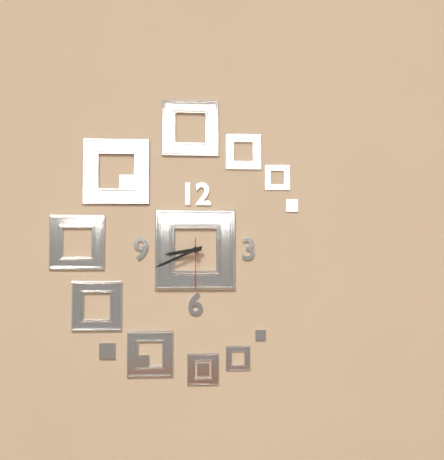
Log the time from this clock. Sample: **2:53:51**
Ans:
**8:41:30**
